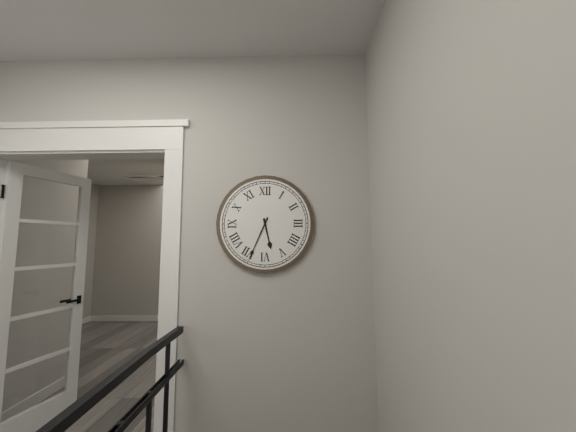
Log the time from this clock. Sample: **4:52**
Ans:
**5:34**
